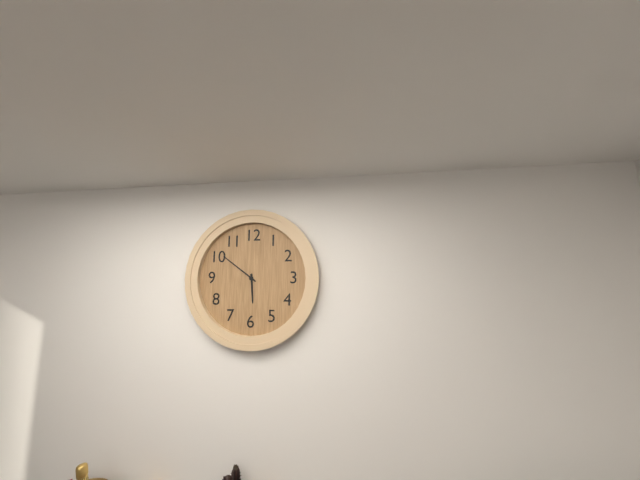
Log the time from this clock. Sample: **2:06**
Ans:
**5:51**
